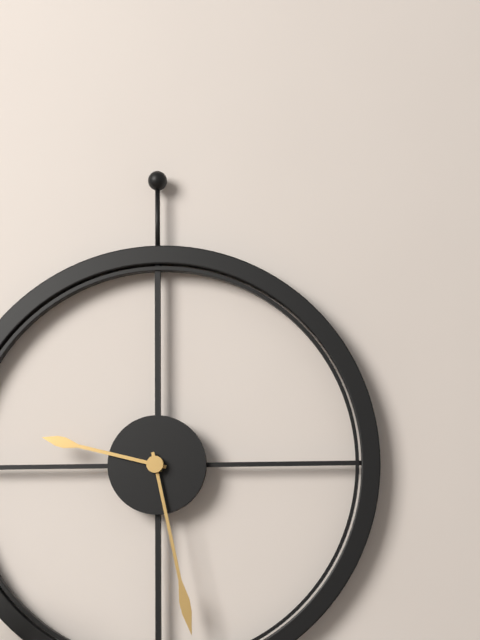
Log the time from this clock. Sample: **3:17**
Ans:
**9:28**
